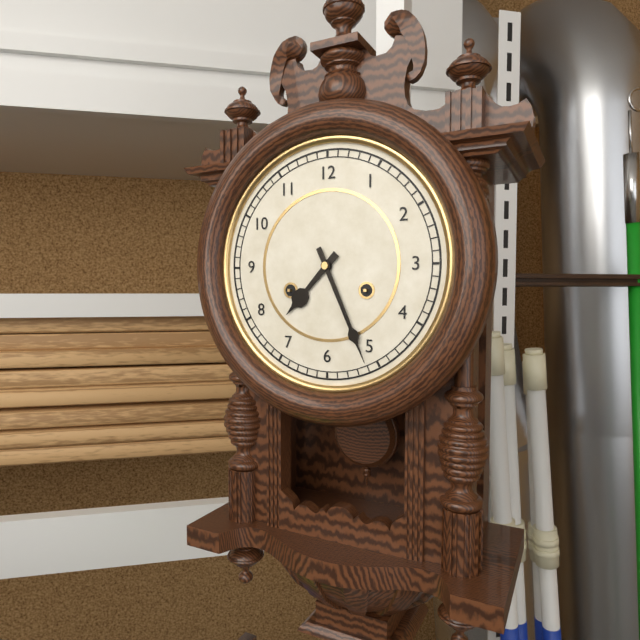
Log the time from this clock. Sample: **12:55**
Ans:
**7:26**
